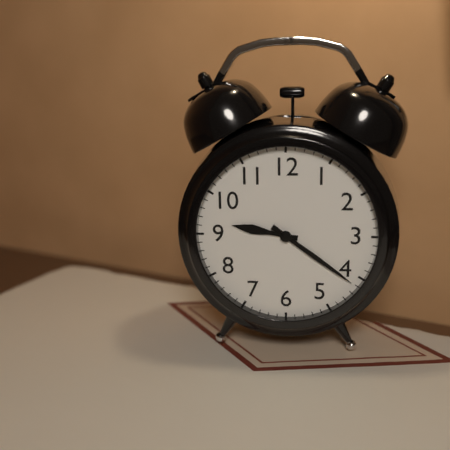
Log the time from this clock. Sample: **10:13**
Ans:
**9:21**
